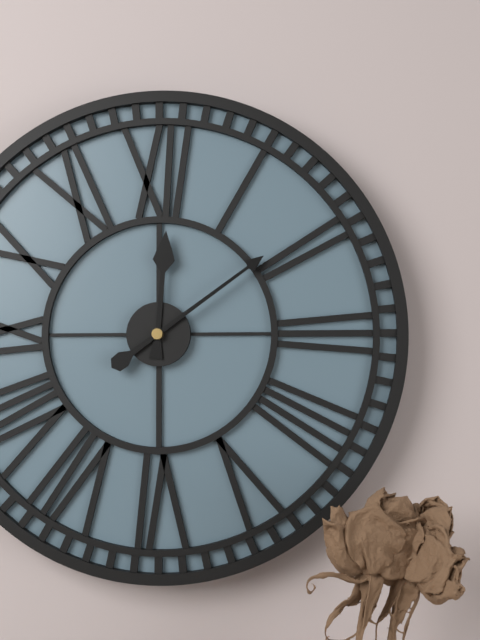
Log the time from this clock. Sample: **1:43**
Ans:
**12:09**
